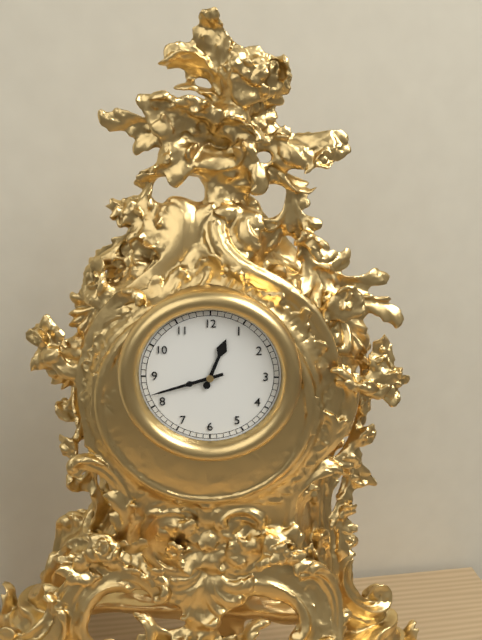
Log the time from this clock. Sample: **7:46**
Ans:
**12:42**
